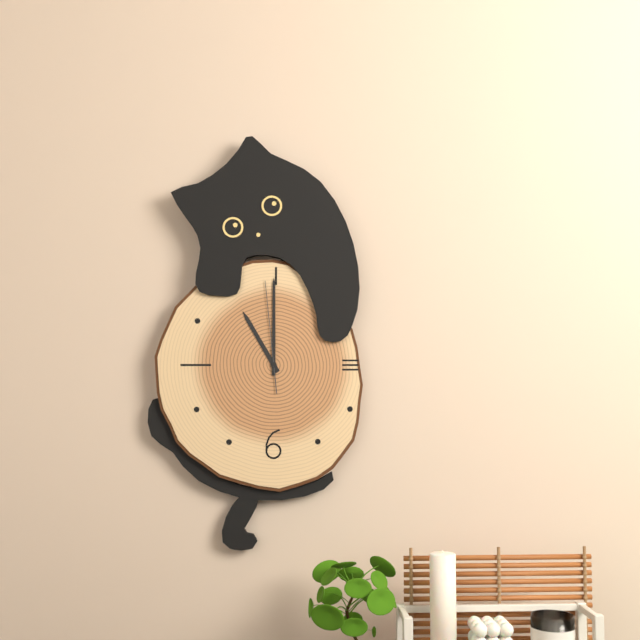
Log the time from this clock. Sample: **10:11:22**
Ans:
**11:00:59**
